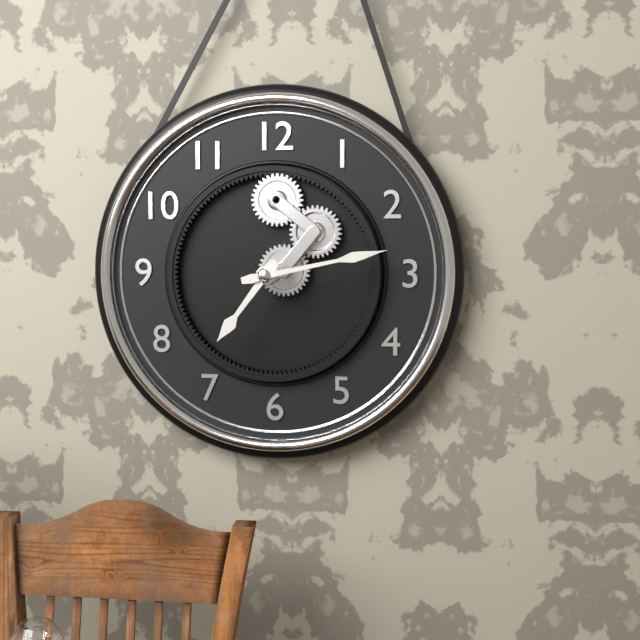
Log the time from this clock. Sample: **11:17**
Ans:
**7:13**
